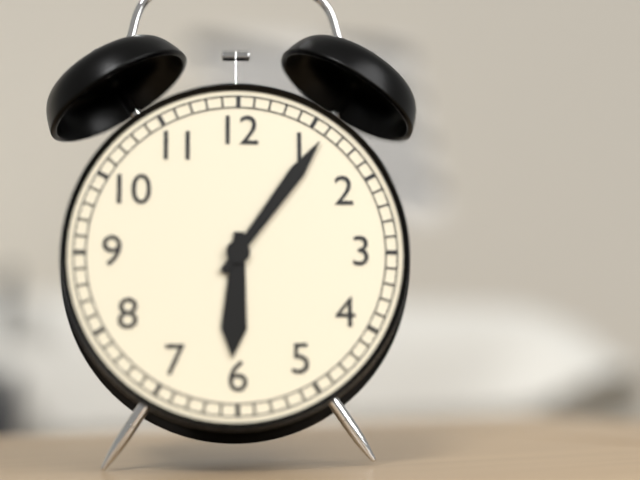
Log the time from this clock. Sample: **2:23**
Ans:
**6:06**
